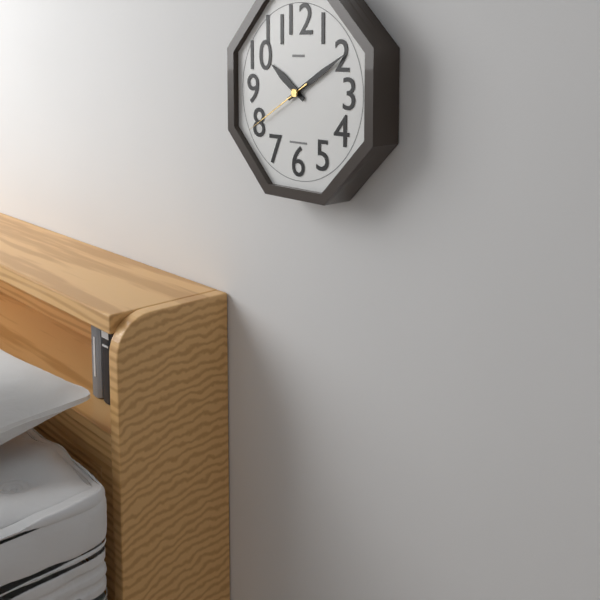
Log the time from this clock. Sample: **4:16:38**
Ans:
**10:10:40**
